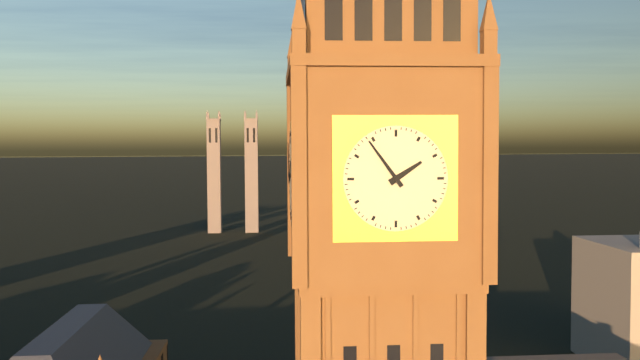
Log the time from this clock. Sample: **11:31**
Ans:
**1:54**
